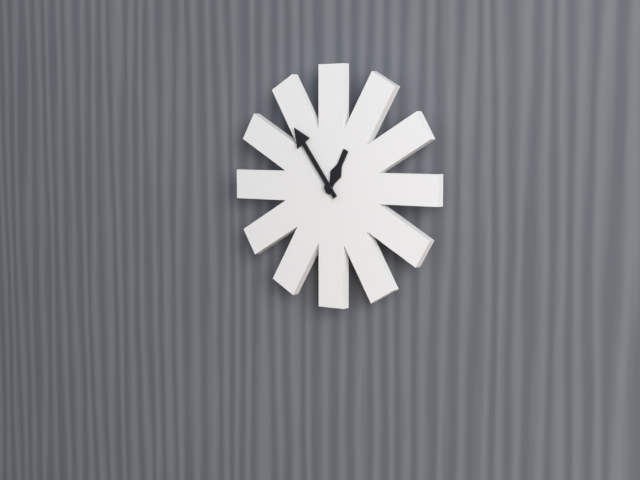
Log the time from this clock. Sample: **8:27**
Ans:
**12:54**
